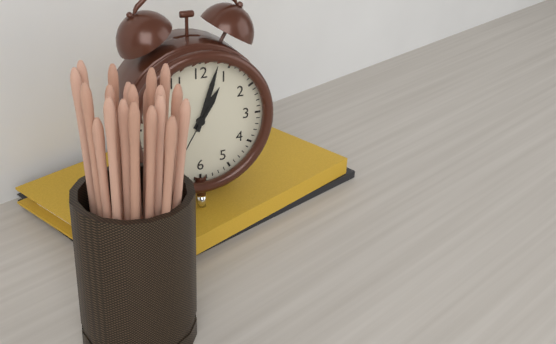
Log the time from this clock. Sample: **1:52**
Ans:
**1:03**
